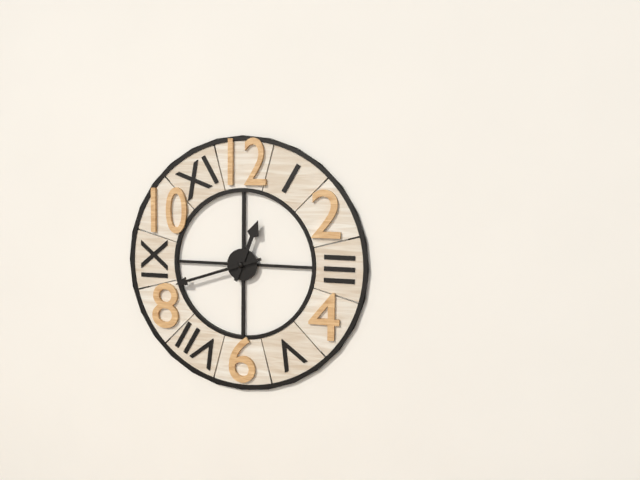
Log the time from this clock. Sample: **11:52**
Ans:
**12:42**
